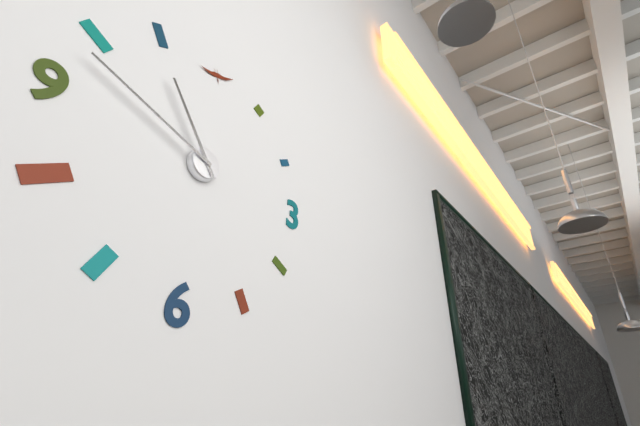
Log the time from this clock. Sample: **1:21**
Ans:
**10:48**
